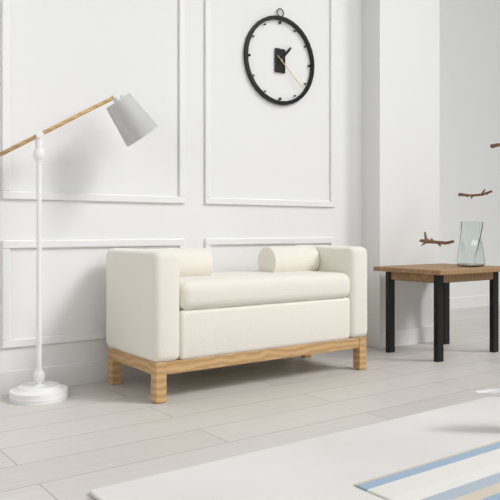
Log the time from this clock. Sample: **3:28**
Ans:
**1:22**
